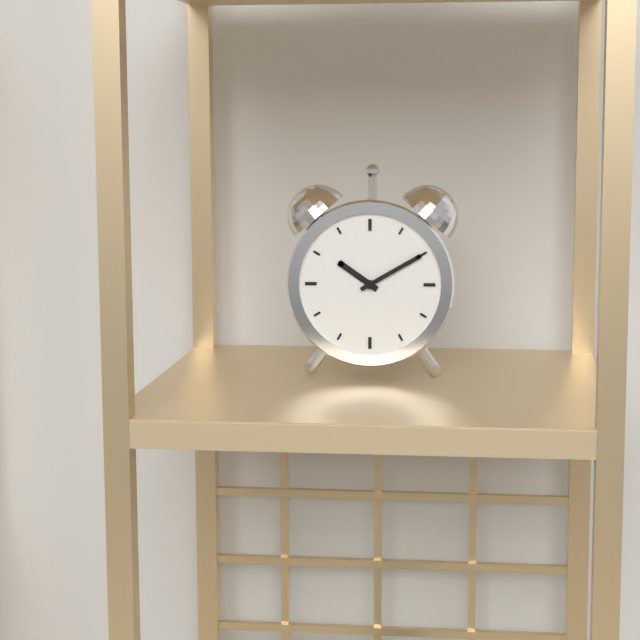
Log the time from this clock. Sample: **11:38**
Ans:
**10:10**
